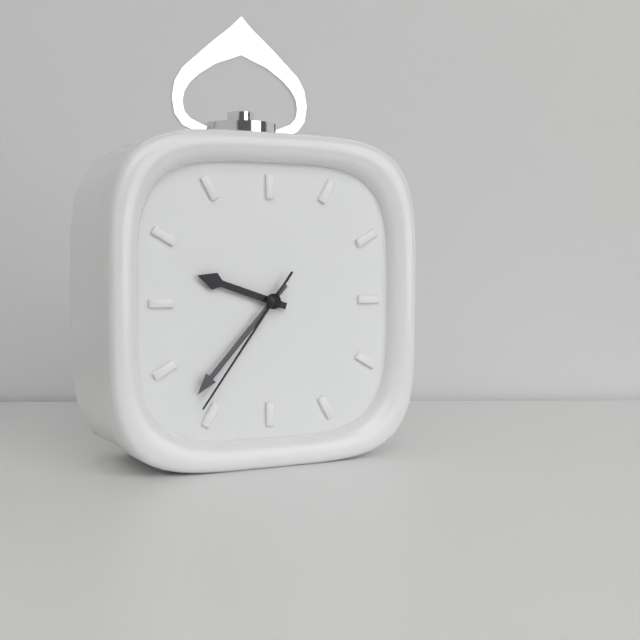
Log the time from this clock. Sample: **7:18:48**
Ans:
**9:37:36**
